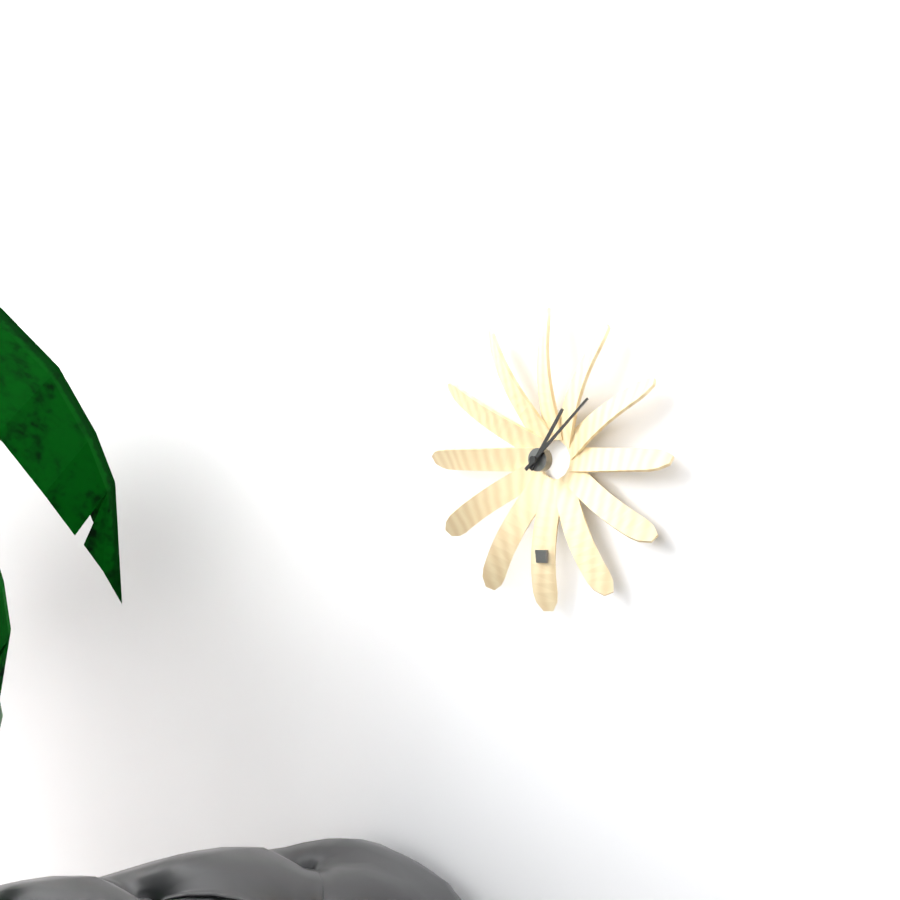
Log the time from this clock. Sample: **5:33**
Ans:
**1:08**
